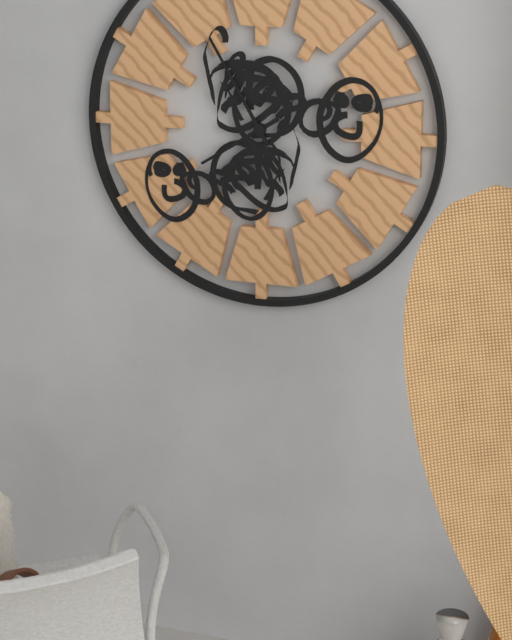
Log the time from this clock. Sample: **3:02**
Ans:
**7:55**
